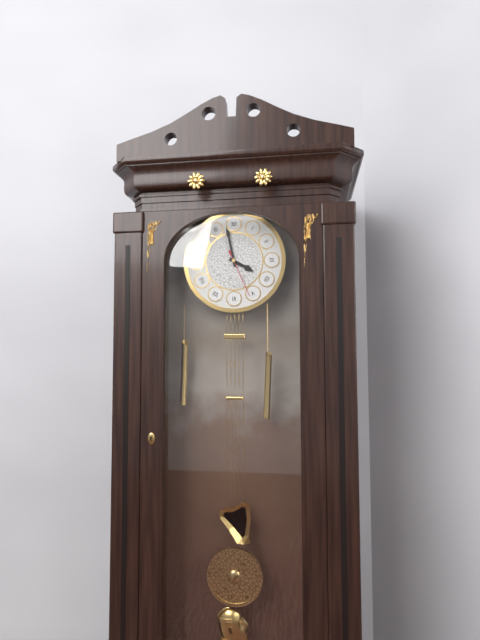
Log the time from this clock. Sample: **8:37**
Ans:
**3:58**
